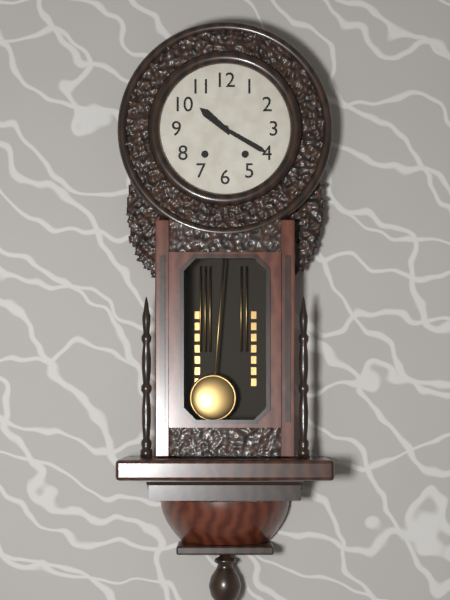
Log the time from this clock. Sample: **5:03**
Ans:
**10:20**
